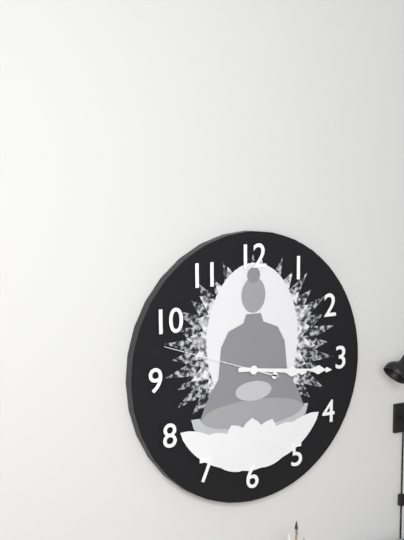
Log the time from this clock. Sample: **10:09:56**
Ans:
**3:16:48**
